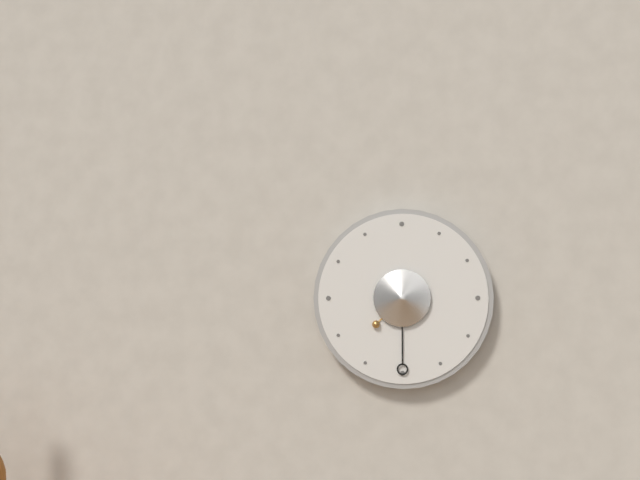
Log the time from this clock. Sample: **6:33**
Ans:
**7:30**
